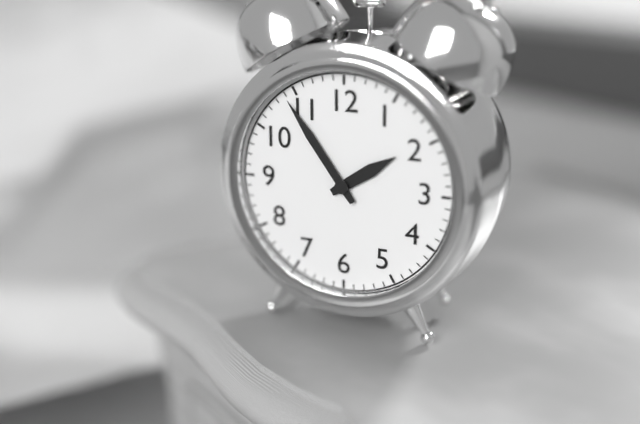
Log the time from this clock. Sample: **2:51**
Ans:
**1:54**
